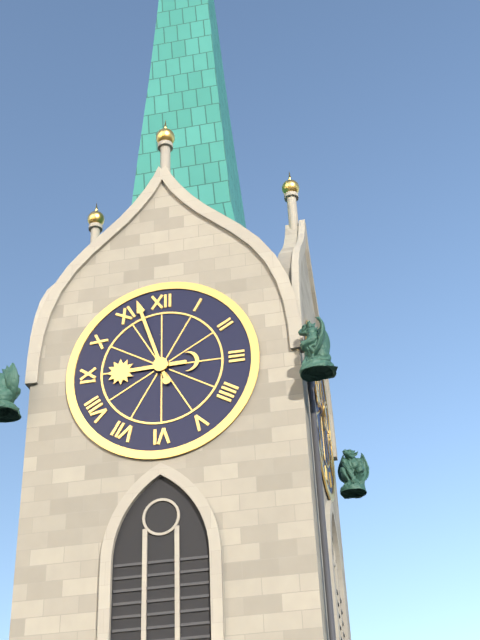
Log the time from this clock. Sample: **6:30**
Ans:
**8:57**
